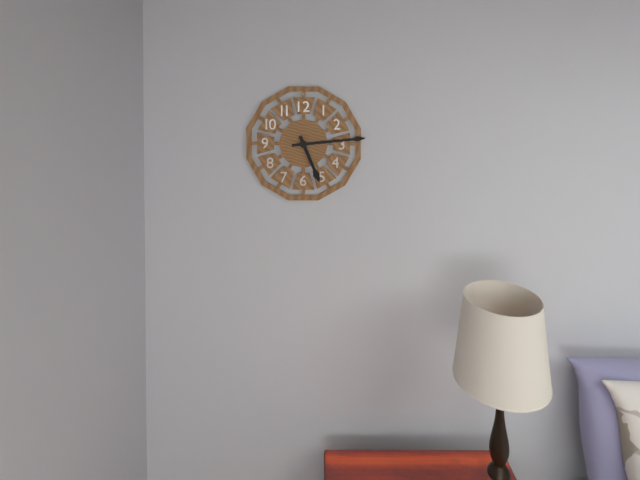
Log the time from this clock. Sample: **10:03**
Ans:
**5:14**
